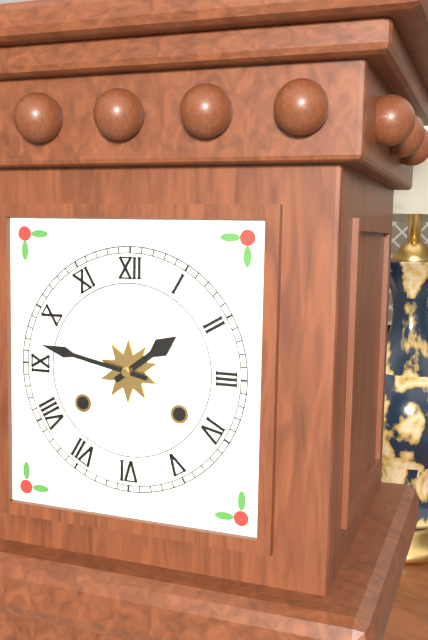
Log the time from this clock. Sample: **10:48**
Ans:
**1:47**
